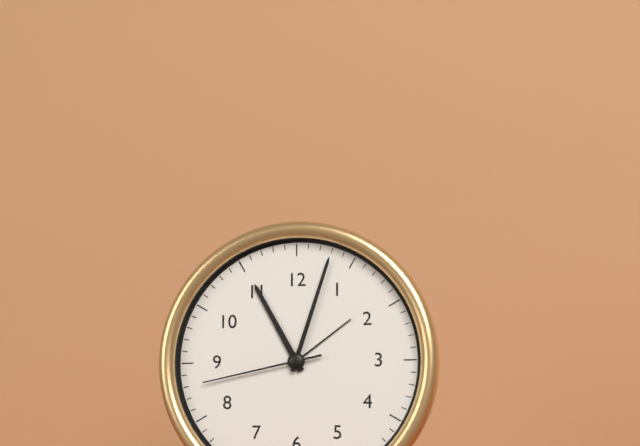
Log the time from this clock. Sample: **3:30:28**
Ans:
**11:03:43**
